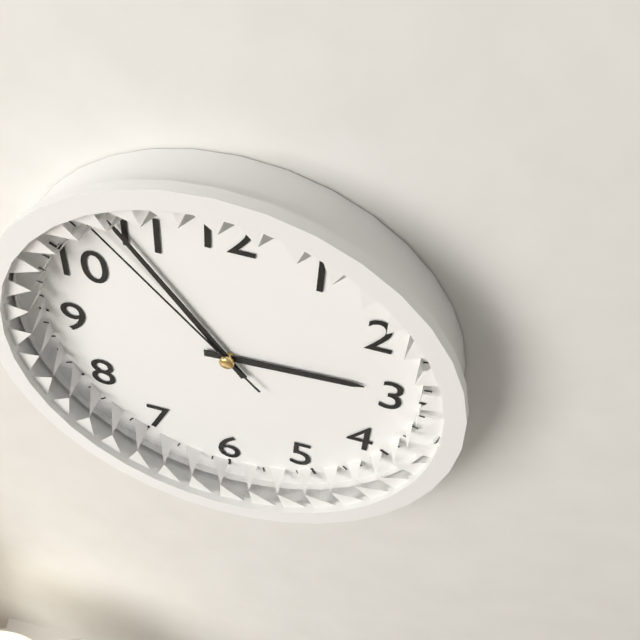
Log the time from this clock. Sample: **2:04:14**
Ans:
**2:54:53**
